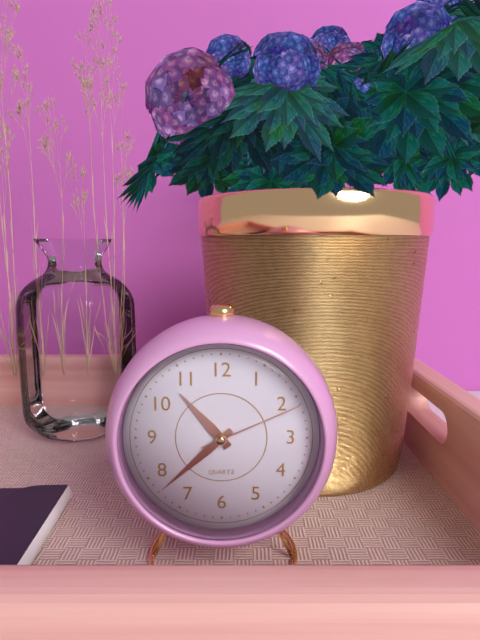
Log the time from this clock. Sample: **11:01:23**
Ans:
**10:38:11**
